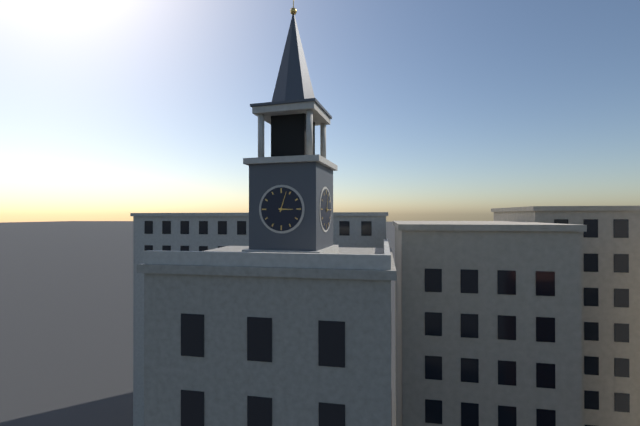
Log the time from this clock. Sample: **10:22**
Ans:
**3:03**
